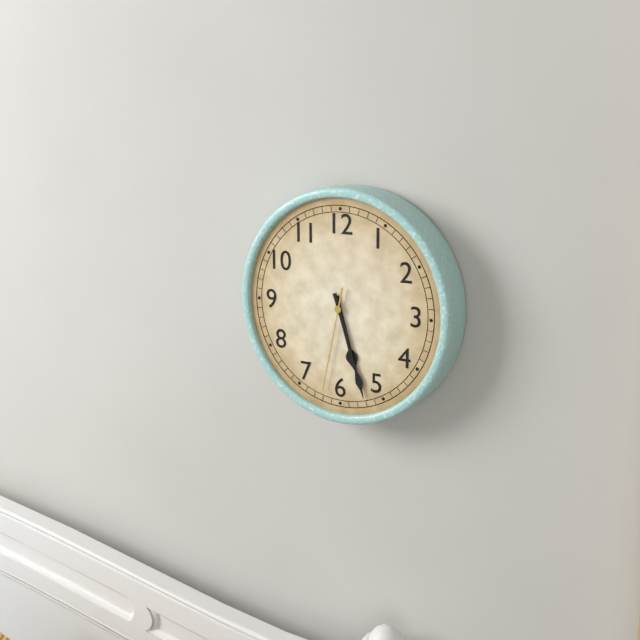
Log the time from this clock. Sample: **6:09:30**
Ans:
**5:27:32**
